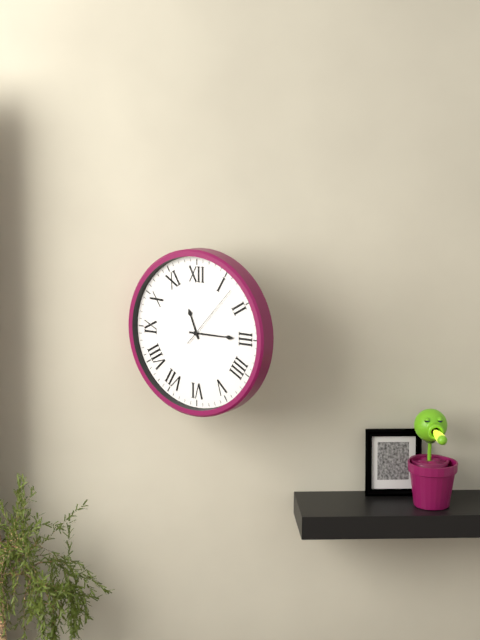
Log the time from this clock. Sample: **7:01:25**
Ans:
**11:15:07**
